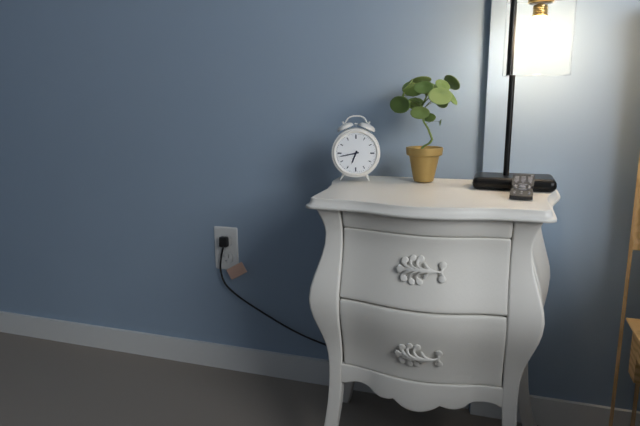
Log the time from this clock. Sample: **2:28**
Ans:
**6:43**
